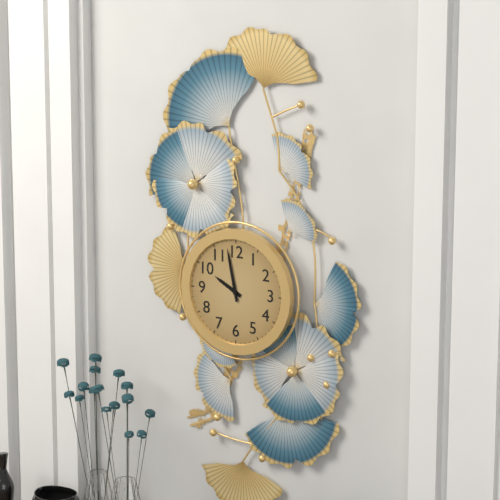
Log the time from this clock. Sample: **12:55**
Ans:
**9:58**
